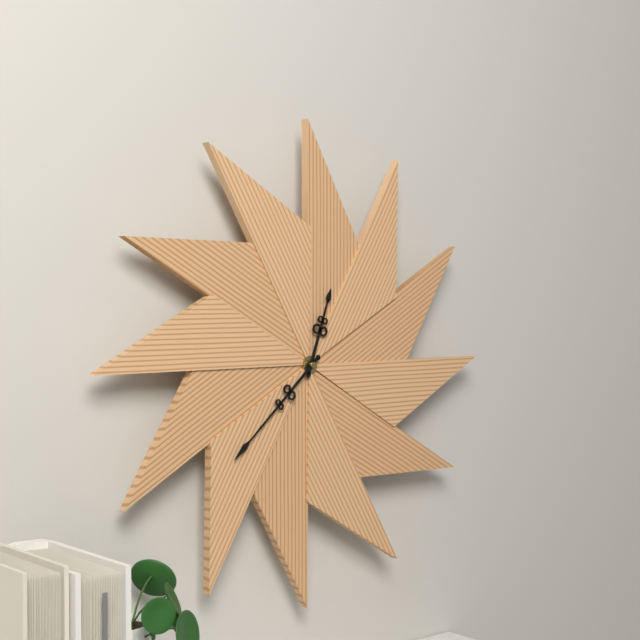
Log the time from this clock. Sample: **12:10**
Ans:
**12:38**
